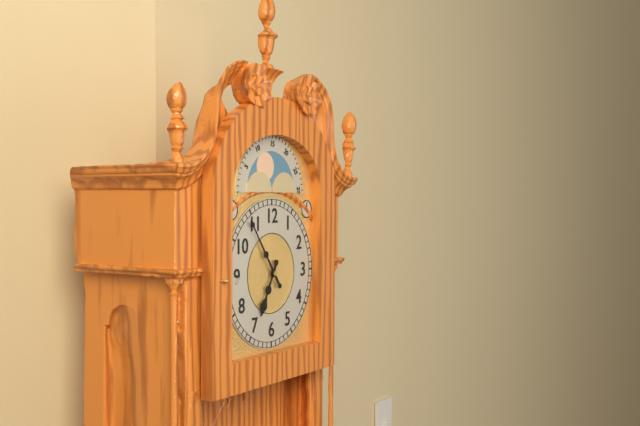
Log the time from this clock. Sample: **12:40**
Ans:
**6:54**
